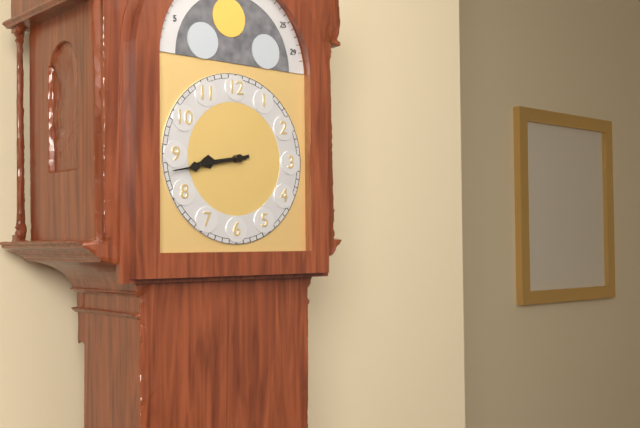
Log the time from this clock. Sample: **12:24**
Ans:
**8:43**
